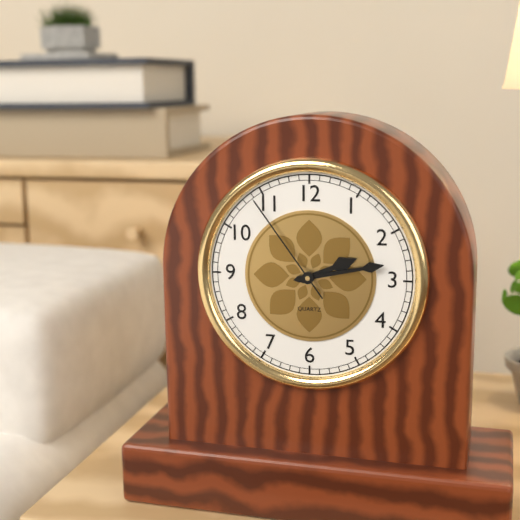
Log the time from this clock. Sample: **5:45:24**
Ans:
**2:13:54**
